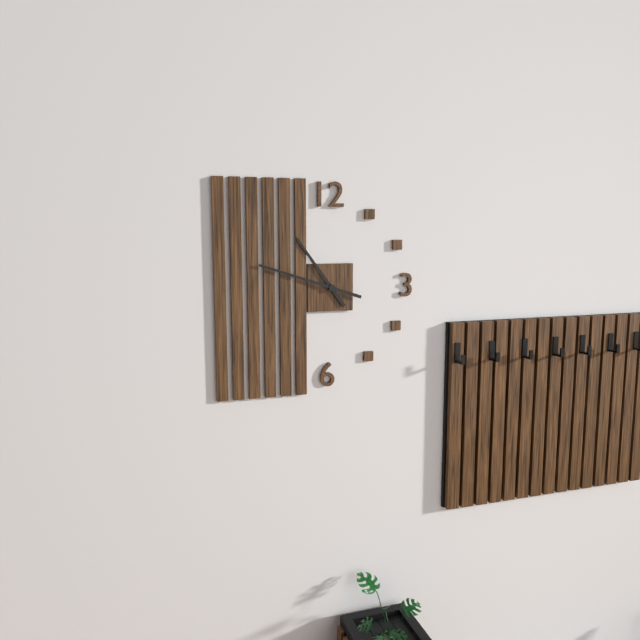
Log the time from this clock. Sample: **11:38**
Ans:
**10:48**
